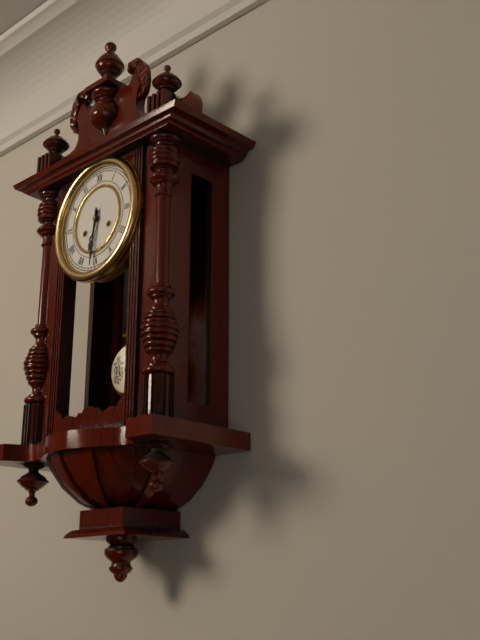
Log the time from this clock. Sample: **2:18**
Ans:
**6:31**
